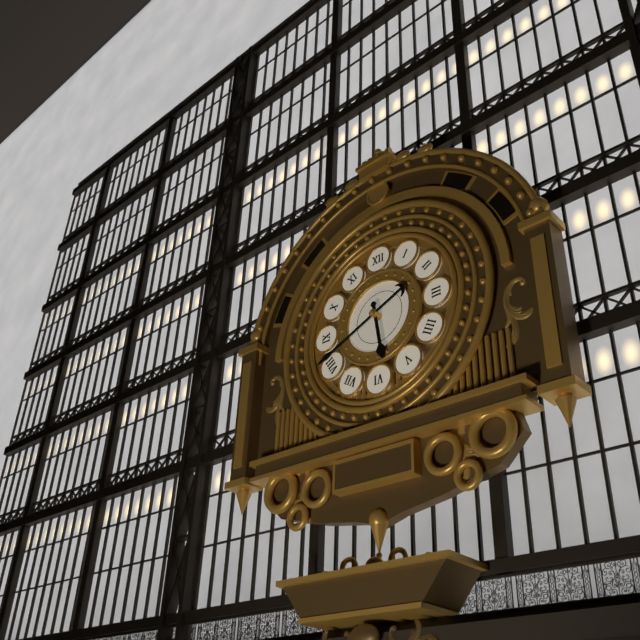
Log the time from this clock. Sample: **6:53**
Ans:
**5:41**
